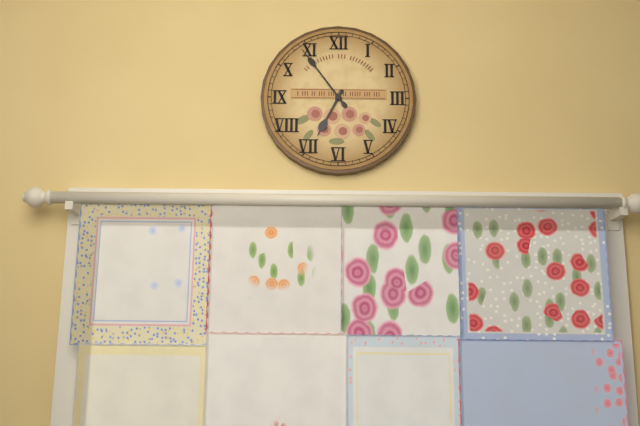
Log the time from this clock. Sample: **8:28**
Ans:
**6:54**
